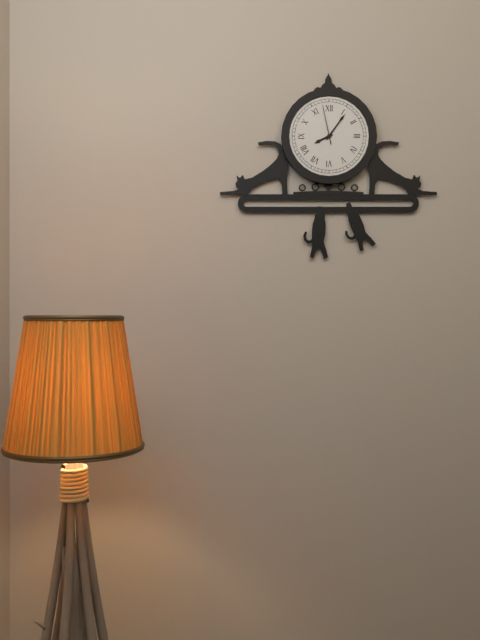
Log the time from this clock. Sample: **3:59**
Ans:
**8:06**
